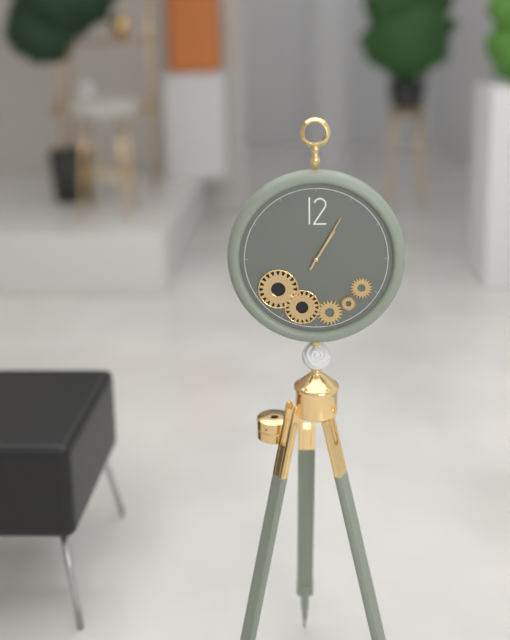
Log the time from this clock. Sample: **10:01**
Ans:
**1:05**
